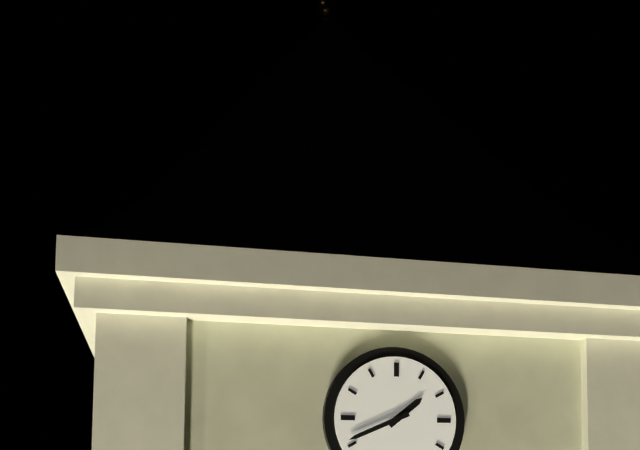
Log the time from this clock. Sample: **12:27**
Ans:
**1:41**
